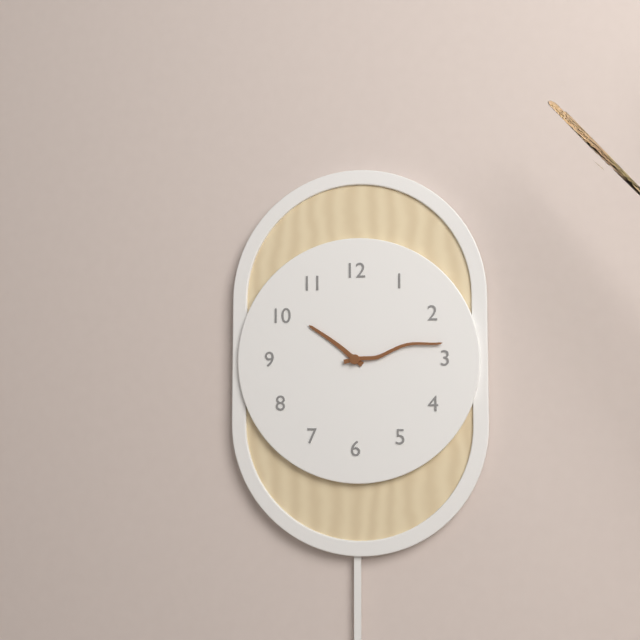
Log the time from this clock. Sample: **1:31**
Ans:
**10:13**
